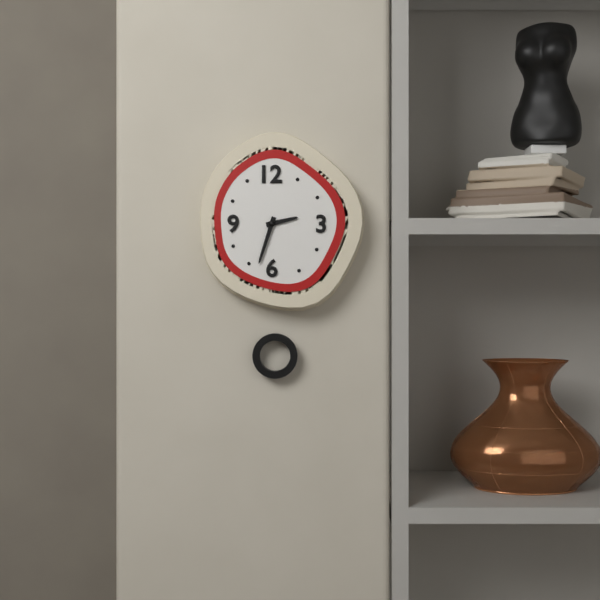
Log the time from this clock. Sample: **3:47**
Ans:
**2:33**
